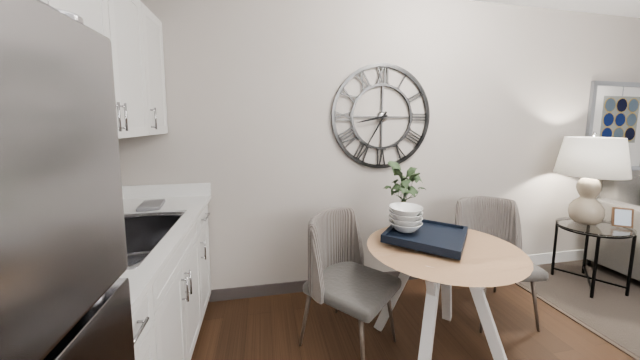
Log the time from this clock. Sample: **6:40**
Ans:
**8:35**
